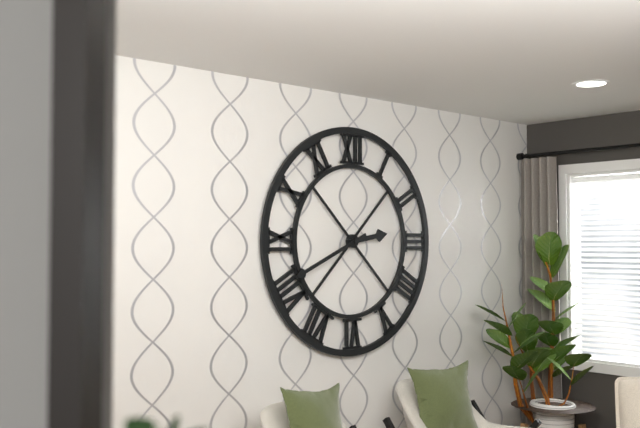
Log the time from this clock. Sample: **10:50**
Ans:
**2:41**
